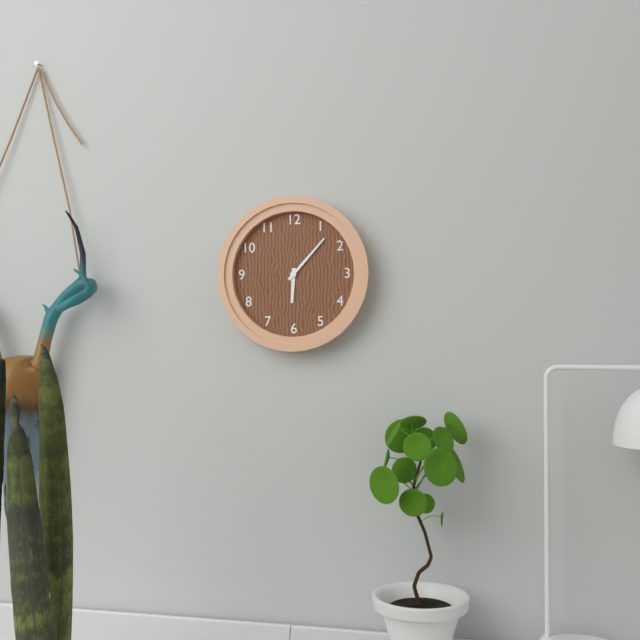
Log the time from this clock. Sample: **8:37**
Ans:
**6:07**
